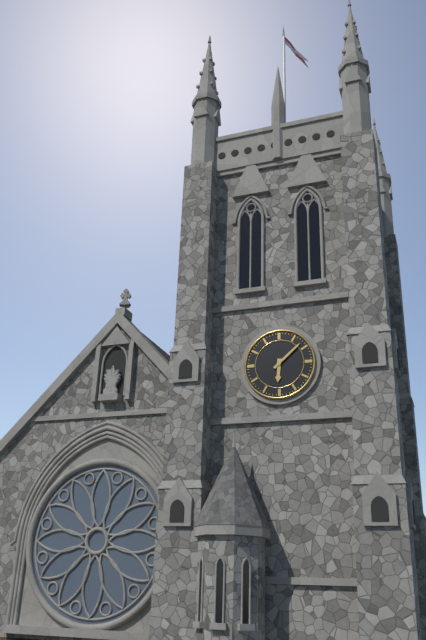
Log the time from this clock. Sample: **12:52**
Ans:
**6:08**
